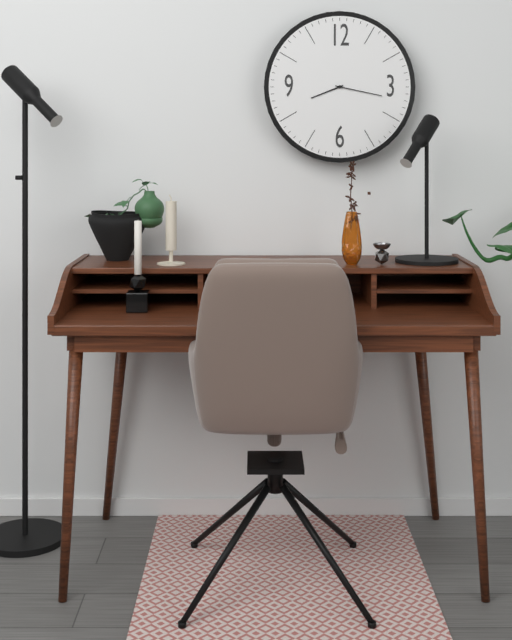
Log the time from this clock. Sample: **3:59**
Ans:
**8:17**
